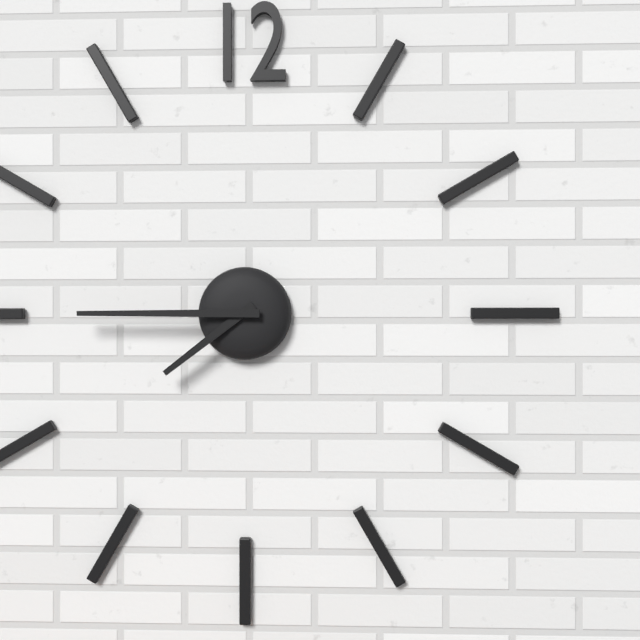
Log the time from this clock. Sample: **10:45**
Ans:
**7:45**
